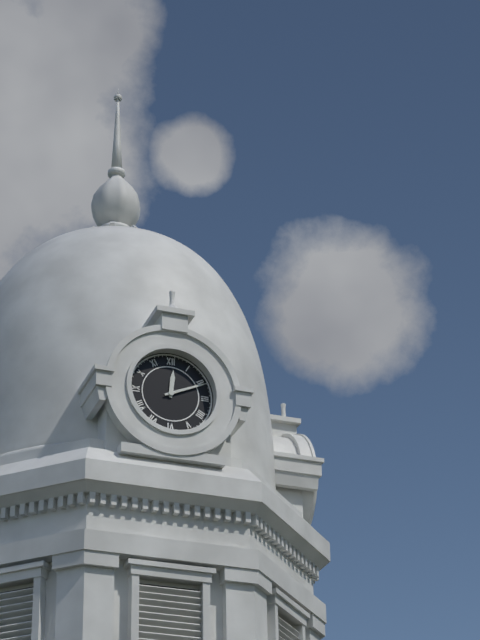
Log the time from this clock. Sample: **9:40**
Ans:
**12:11**
